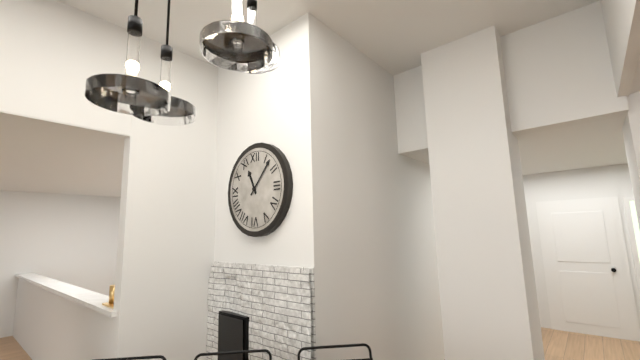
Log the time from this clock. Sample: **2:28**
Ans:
**11:07**
